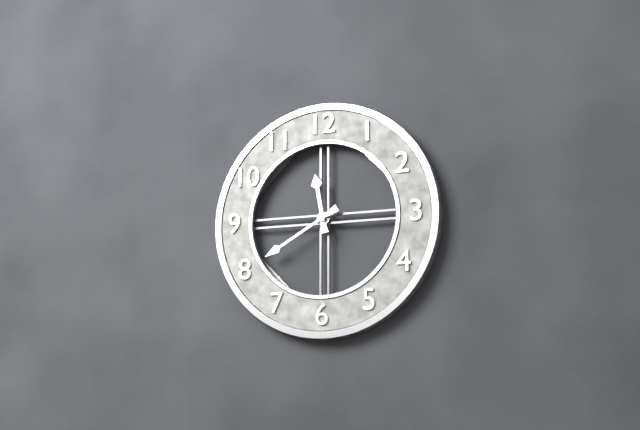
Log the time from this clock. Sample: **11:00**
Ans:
**11:40**
